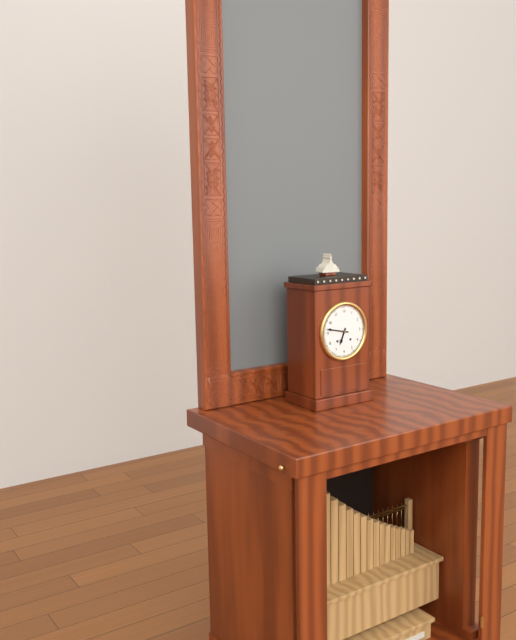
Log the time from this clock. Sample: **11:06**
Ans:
**6:47**
